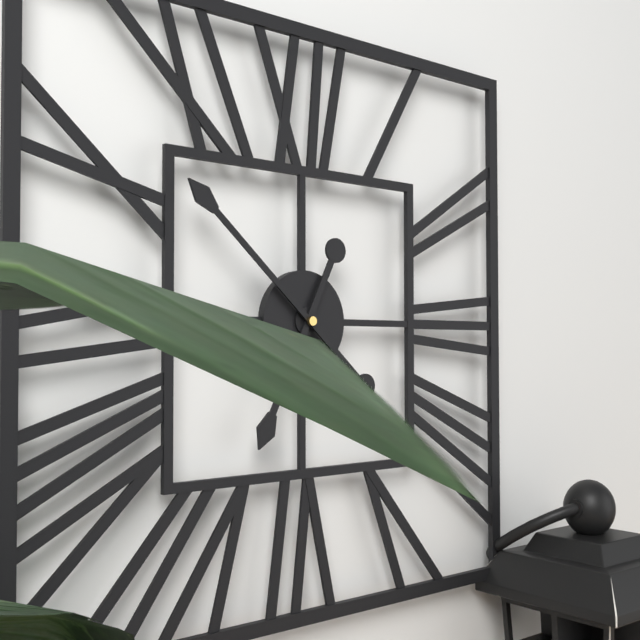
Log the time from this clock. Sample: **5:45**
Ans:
**6:52**
